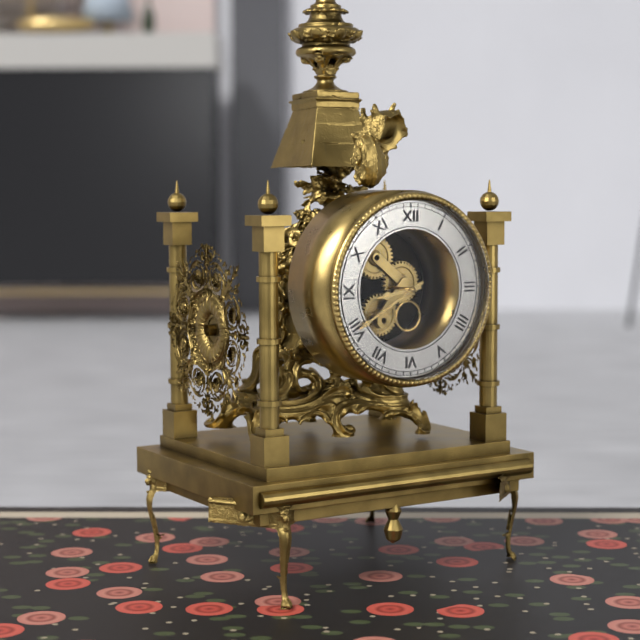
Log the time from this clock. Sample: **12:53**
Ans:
**8:40**
